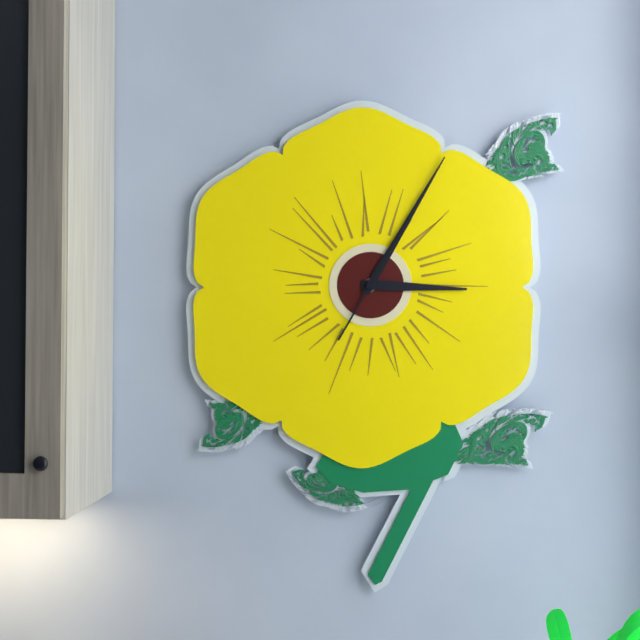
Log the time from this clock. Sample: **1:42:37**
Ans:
**3:05:05**
